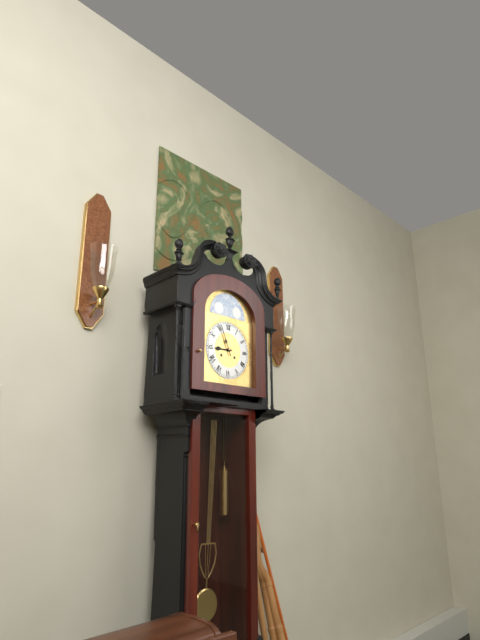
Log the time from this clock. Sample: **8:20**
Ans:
**8:56**
